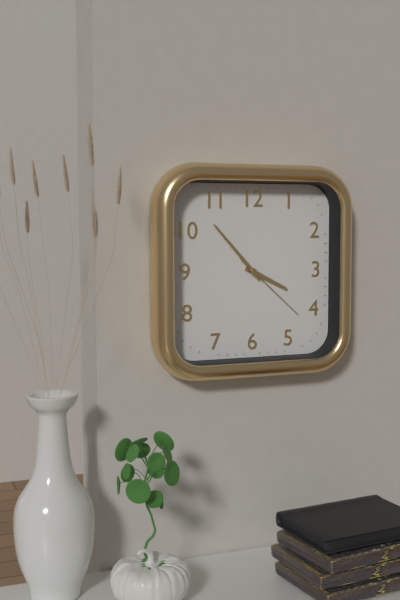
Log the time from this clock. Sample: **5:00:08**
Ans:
**3:53:22**
